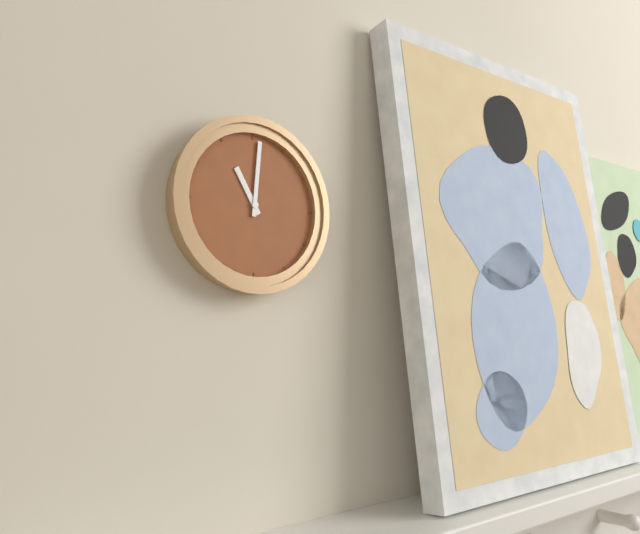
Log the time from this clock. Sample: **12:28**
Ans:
**11:01**
